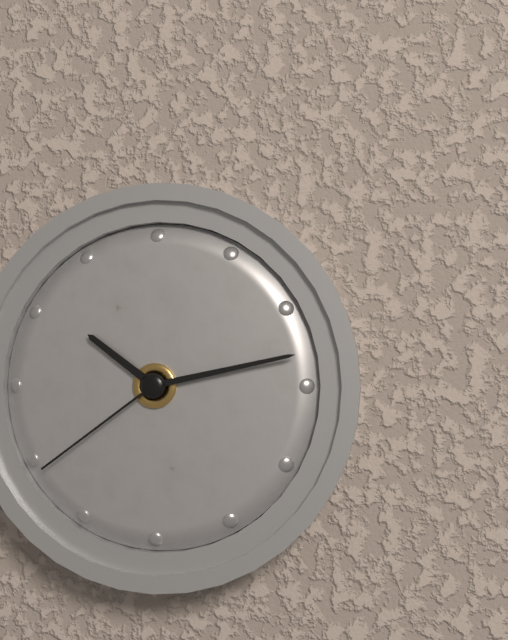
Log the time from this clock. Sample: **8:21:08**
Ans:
**10:13:39**
